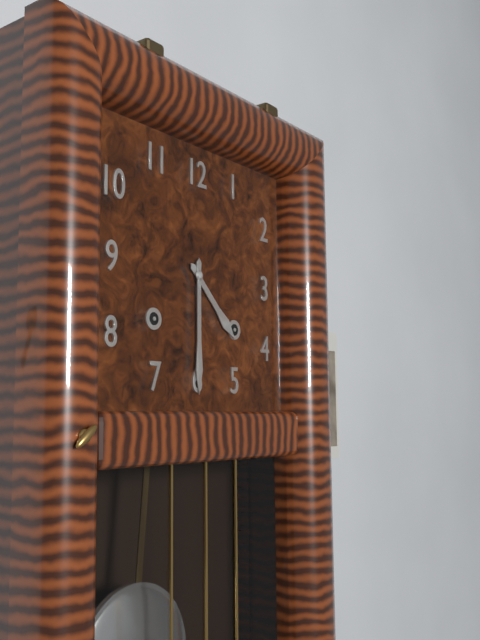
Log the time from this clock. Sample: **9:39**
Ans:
**4:30**
